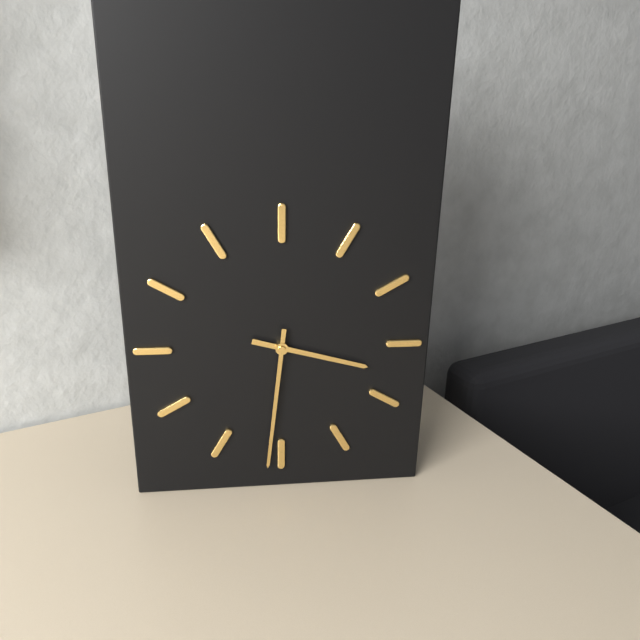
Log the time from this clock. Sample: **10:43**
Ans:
**3:31**
